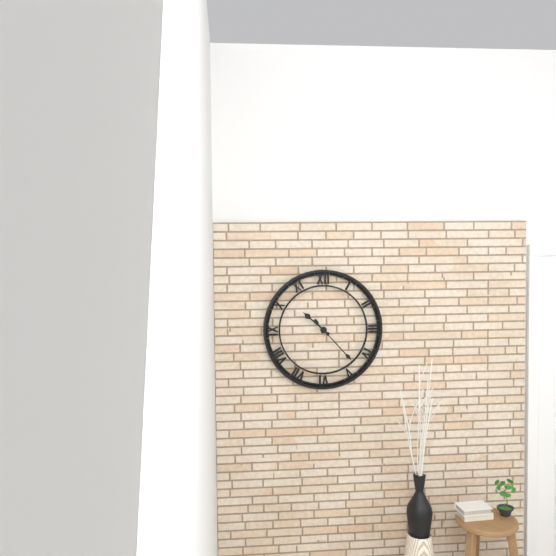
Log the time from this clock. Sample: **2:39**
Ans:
**10:23**
